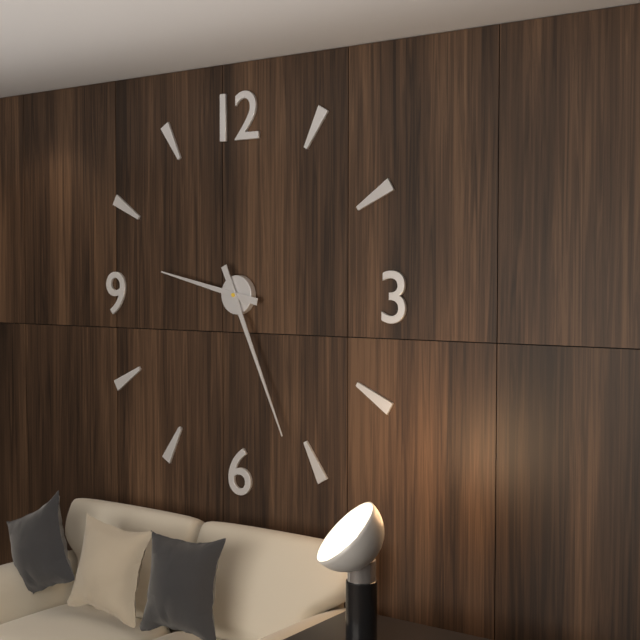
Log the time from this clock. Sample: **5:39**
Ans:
**9:26**
